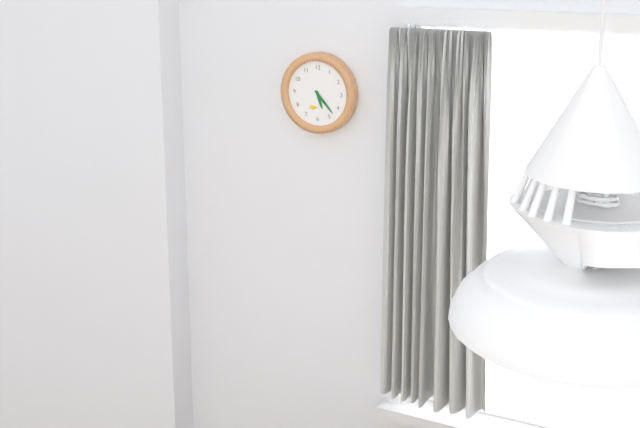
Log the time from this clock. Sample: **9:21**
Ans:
**5:23**
